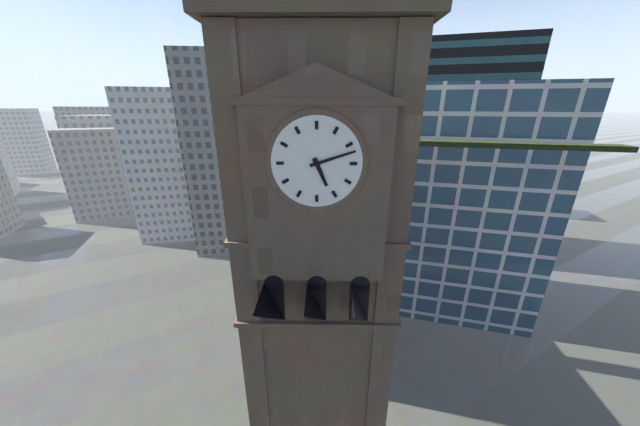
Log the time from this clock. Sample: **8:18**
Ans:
**5:12**
